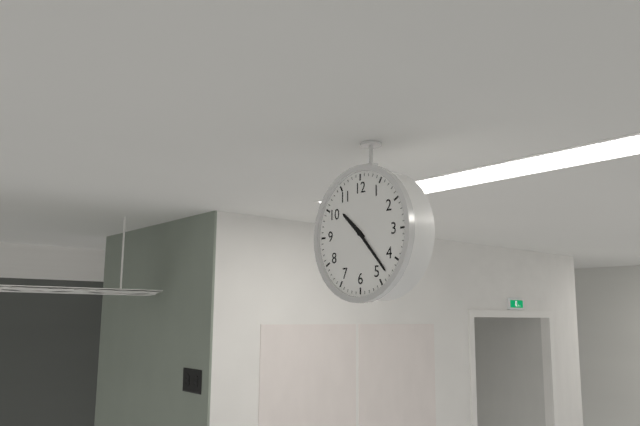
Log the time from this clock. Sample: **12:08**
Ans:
**10:23**
